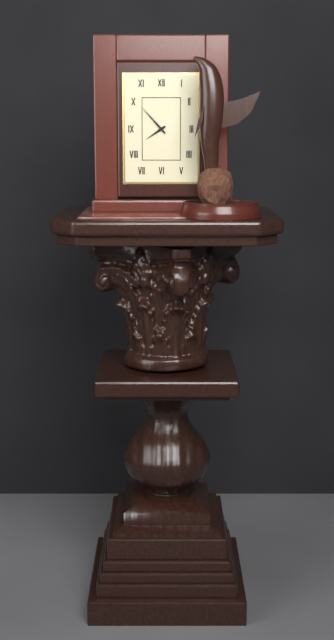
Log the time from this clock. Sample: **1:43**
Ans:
**7:53**
